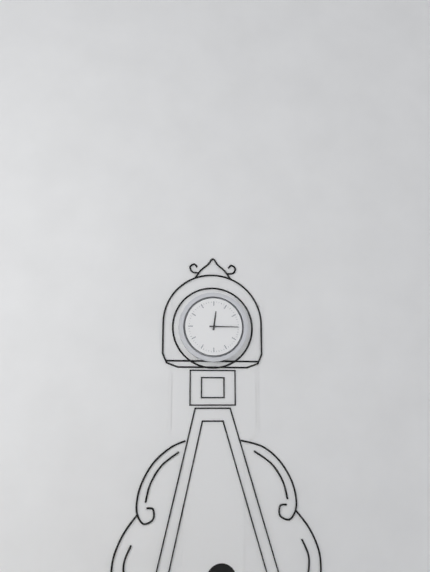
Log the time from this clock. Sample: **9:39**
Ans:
**12:15**
